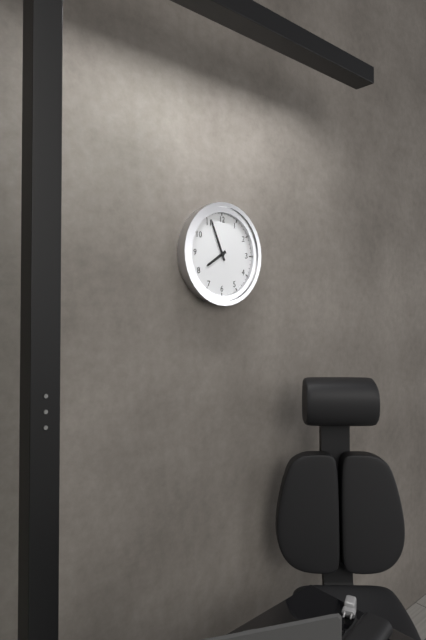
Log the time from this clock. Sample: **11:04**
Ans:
**7:56**
